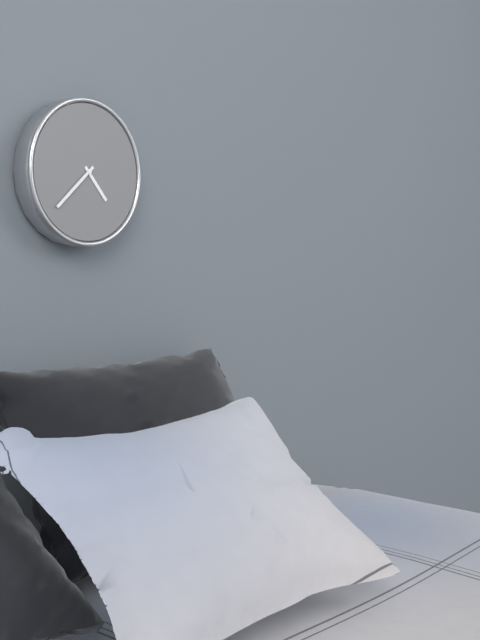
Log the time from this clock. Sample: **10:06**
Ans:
**4:38**
